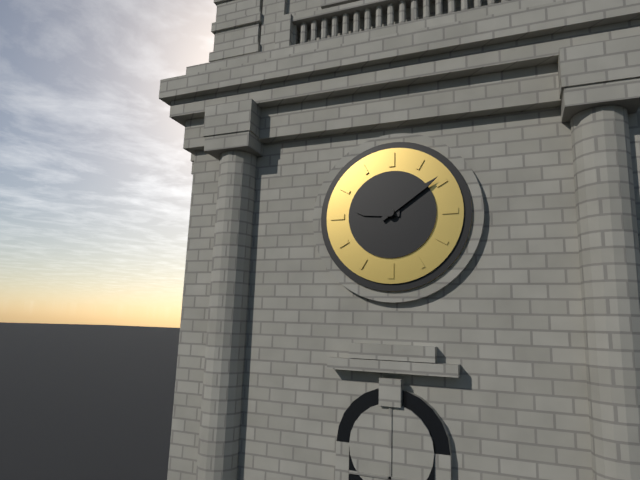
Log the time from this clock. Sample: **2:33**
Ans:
**9:09**
